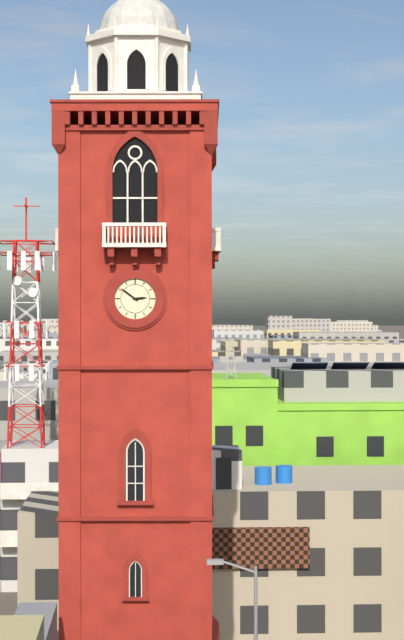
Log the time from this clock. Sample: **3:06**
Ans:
**2:51**
